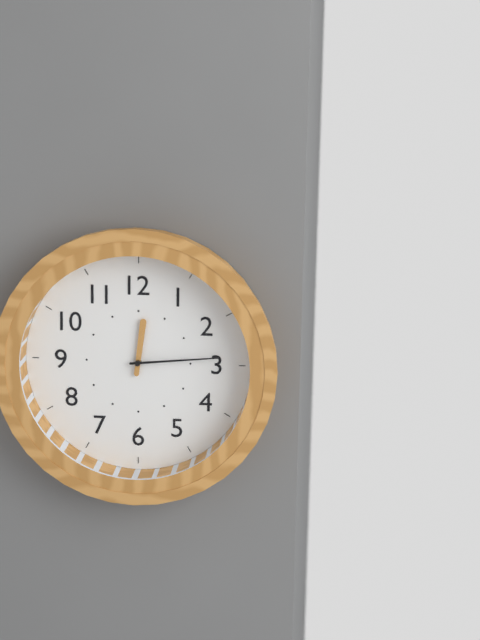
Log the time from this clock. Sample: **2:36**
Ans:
**12:14**
